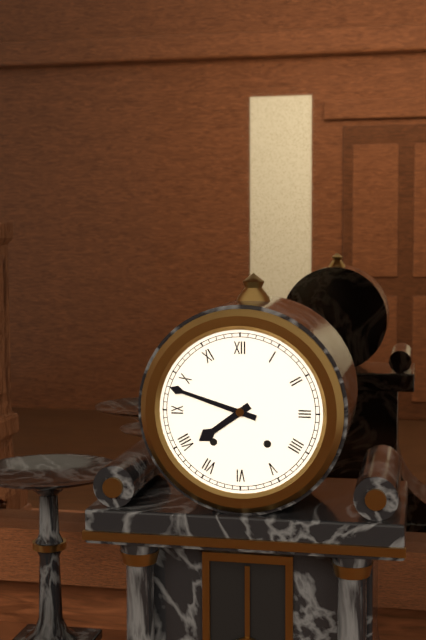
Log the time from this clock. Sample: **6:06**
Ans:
**7:48**
